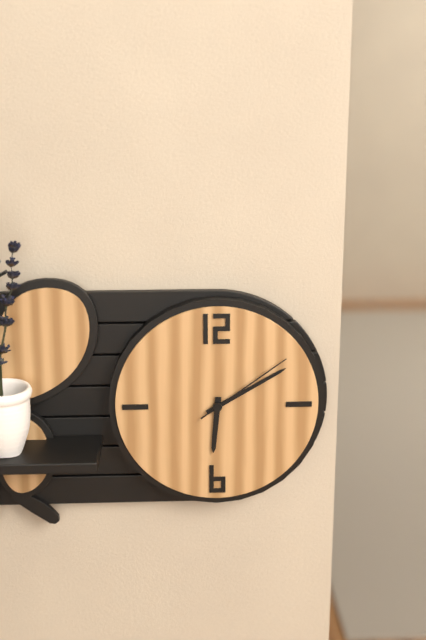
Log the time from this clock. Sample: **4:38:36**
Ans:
**6:10:09**
